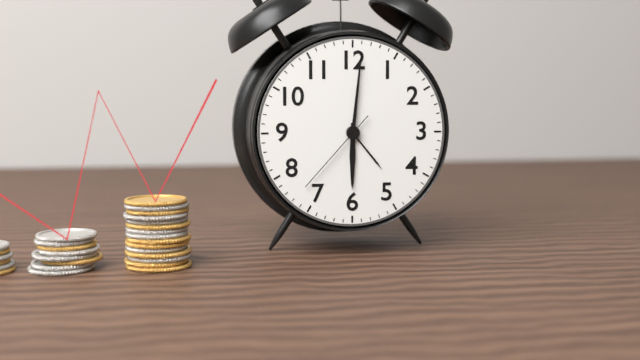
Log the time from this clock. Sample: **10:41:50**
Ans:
**6:01:37**
